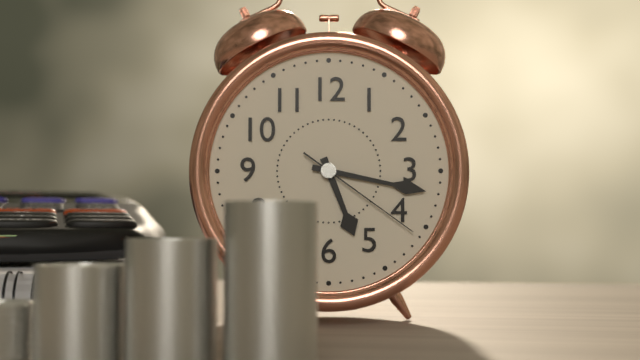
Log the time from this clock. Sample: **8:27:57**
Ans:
**5:17:21**
